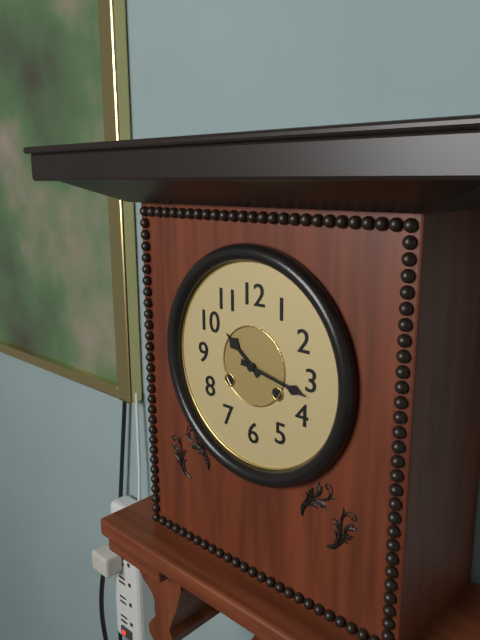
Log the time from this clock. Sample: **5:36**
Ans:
**10:17**
